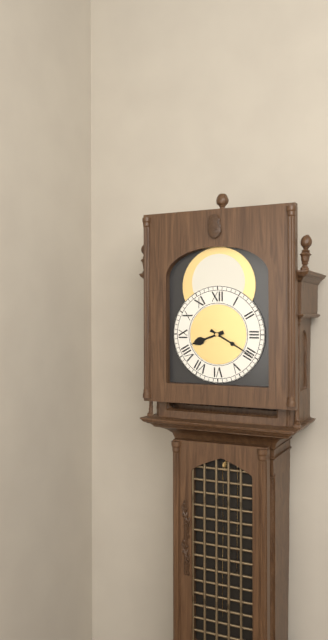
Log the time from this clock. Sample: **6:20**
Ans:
**8:20**
